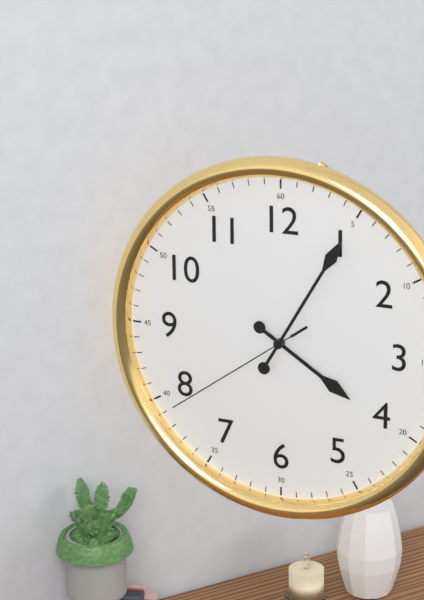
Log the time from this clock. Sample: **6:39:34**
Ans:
**4:05:39**
